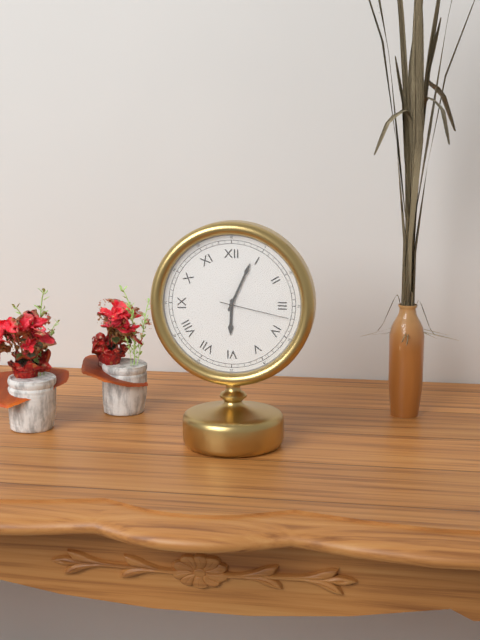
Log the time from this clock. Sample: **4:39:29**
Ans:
**6:04:17**
